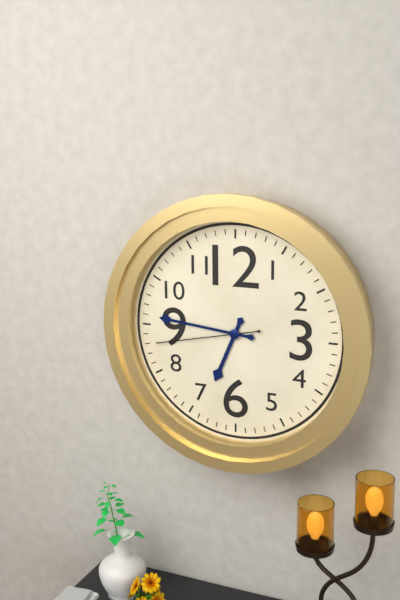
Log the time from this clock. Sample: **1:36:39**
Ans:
**6:46:43**
